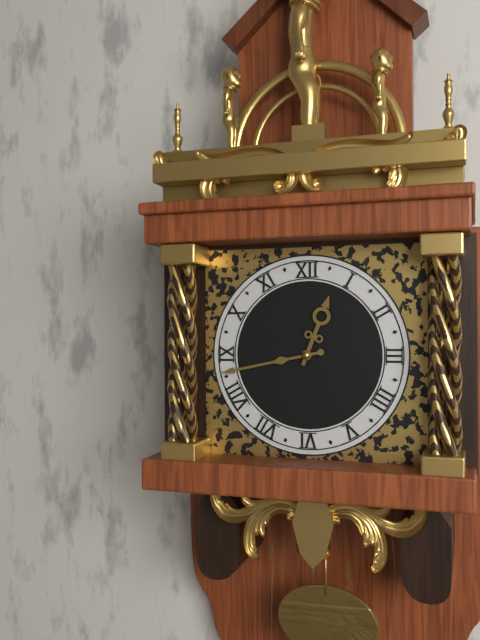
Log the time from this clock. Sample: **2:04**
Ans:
**12:43**
